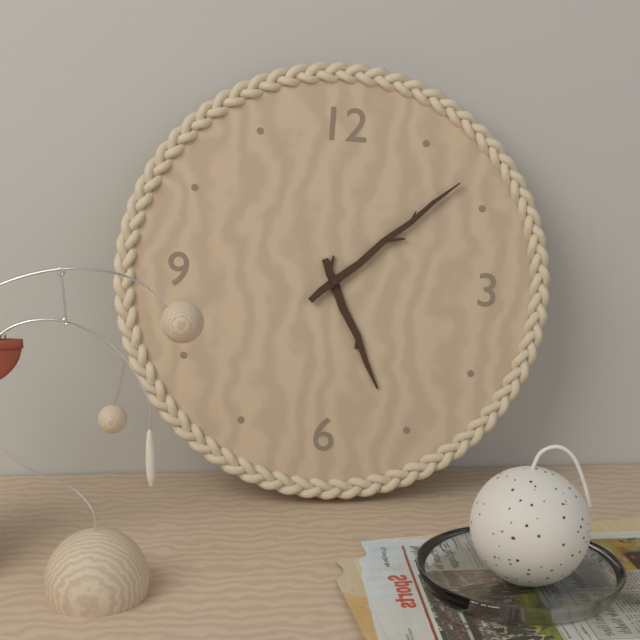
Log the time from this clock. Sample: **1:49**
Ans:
**5:08**
